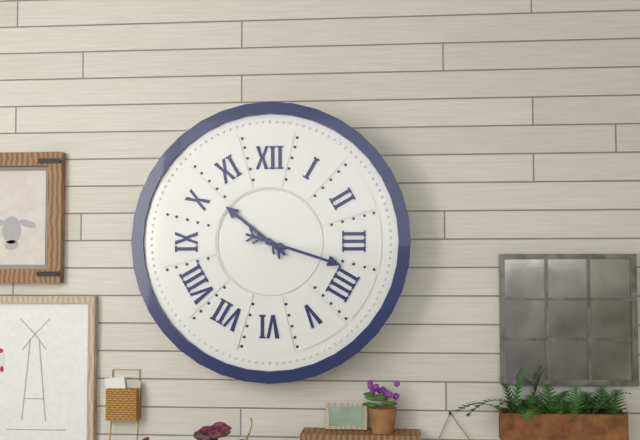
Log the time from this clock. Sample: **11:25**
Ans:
**10:18**
